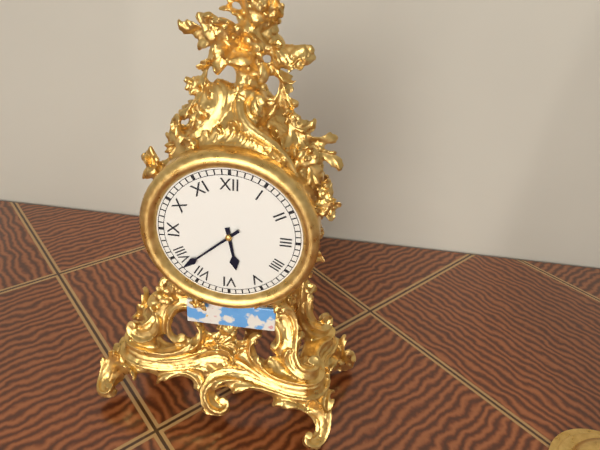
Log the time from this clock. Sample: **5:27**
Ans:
**5:38**
